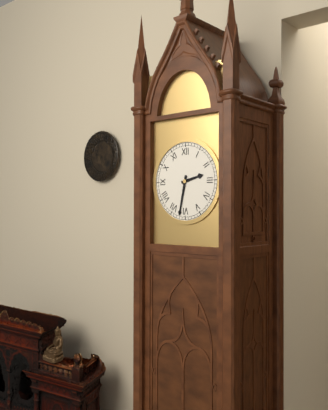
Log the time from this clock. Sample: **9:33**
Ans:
**2:32**
